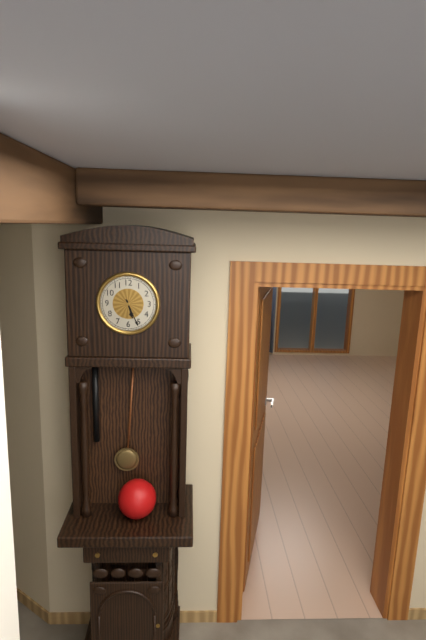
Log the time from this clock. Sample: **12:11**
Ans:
**5:26**
